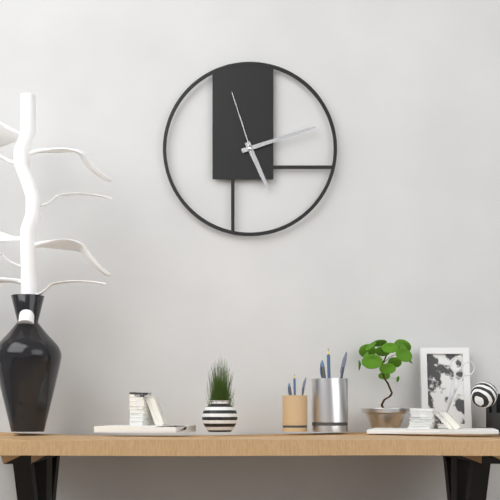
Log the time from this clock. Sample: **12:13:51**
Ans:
**5:12:57**
